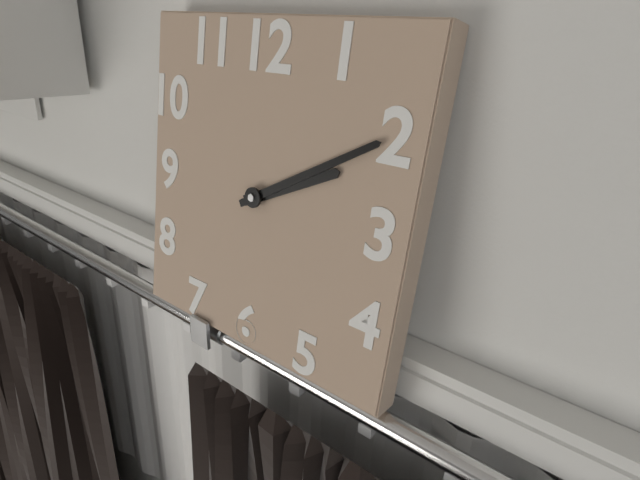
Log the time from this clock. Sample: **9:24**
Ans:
**2:10**
